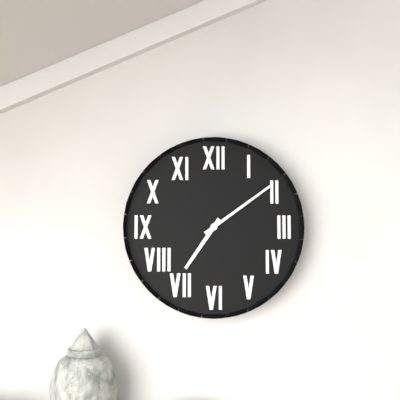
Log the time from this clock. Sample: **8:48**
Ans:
**7:09**
